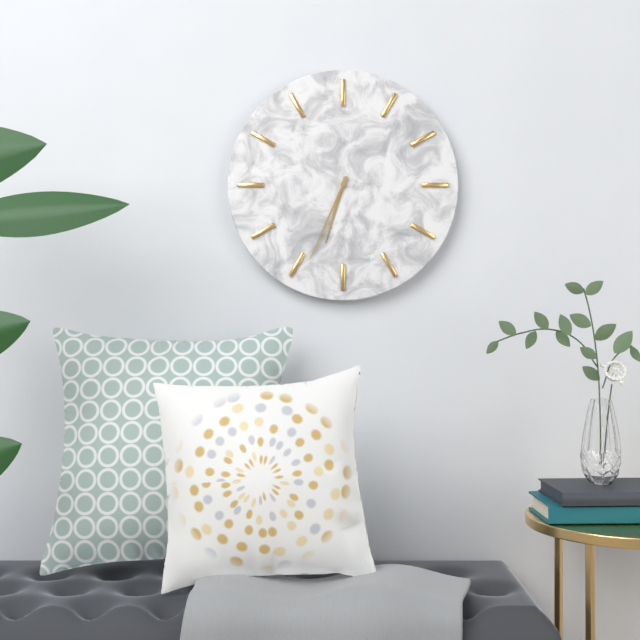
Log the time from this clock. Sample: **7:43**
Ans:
**6:34**
